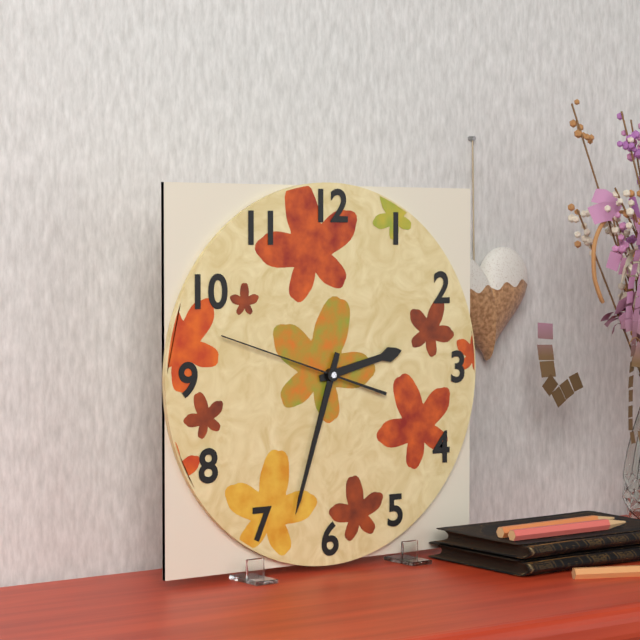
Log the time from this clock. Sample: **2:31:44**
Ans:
**2:33:48**
